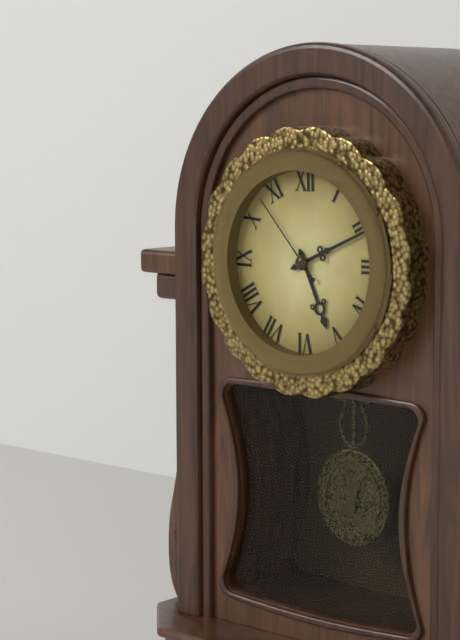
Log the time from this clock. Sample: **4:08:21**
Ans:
**5:11:53**
